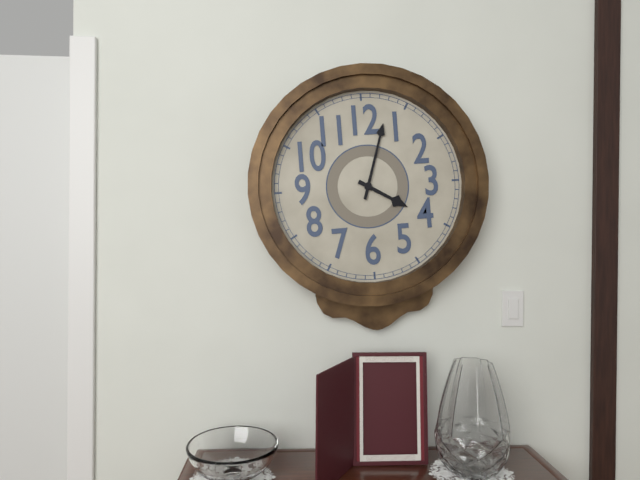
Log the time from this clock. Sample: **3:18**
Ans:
**4:03**
